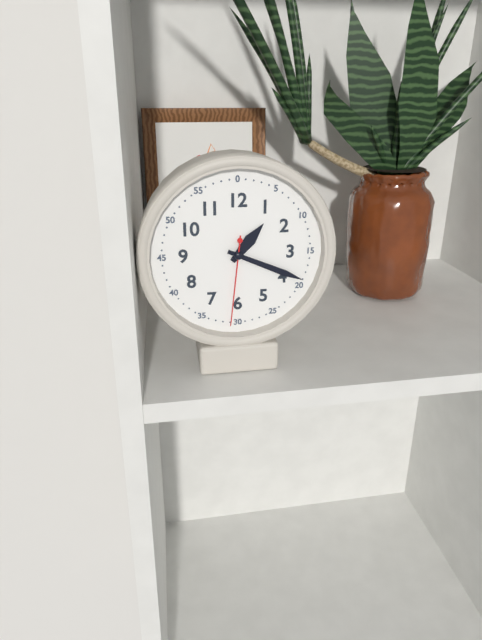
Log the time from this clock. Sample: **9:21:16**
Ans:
**1:19:31**
